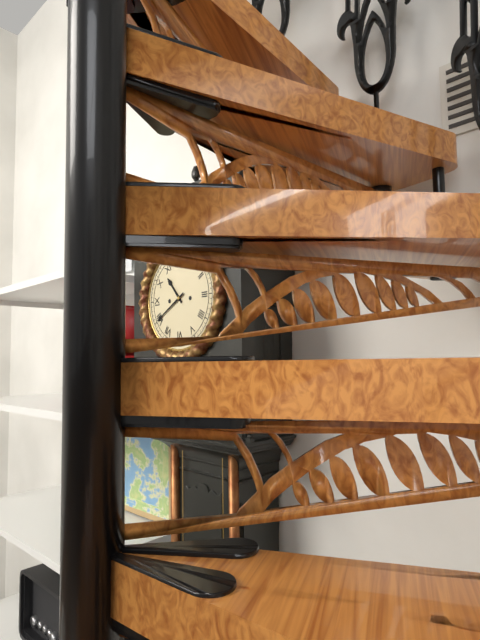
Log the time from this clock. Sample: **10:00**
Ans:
**10:40**
